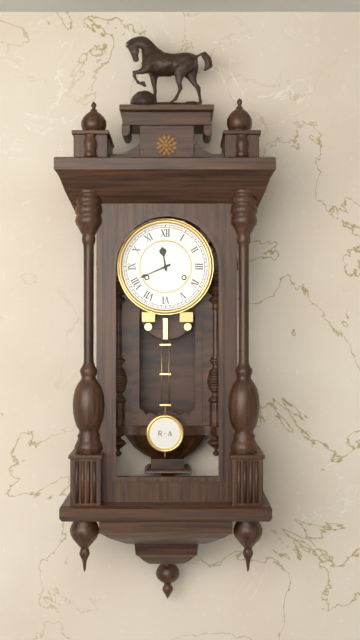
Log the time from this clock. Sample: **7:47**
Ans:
**11:41**
